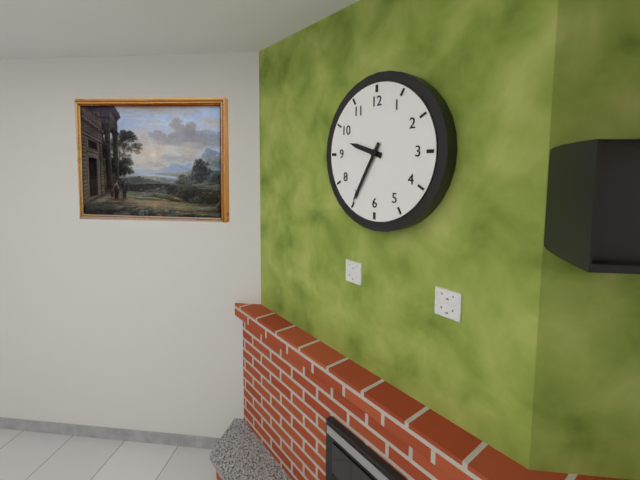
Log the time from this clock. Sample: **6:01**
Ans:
**9:35**
